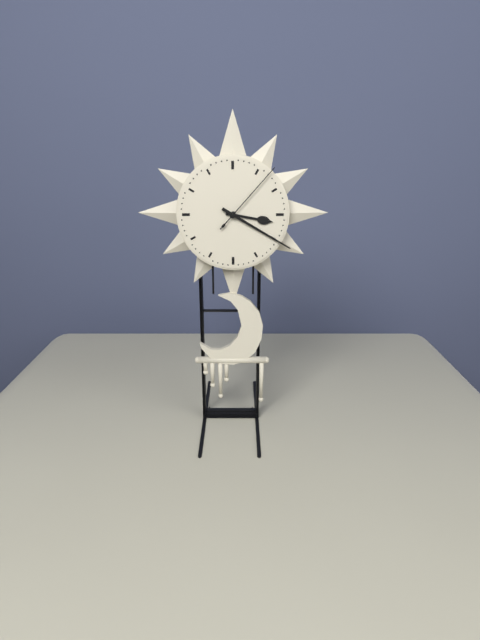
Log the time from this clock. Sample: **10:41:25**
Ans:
**3:20:07**
